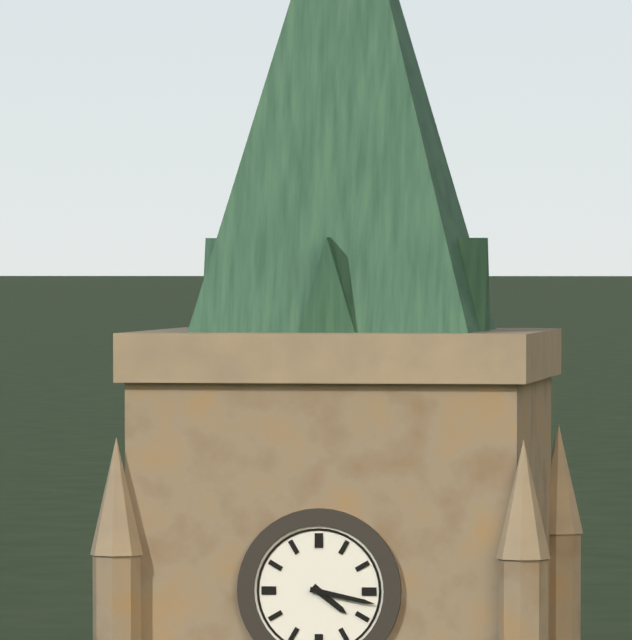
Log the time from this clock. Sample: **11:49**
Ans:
**4:17**
